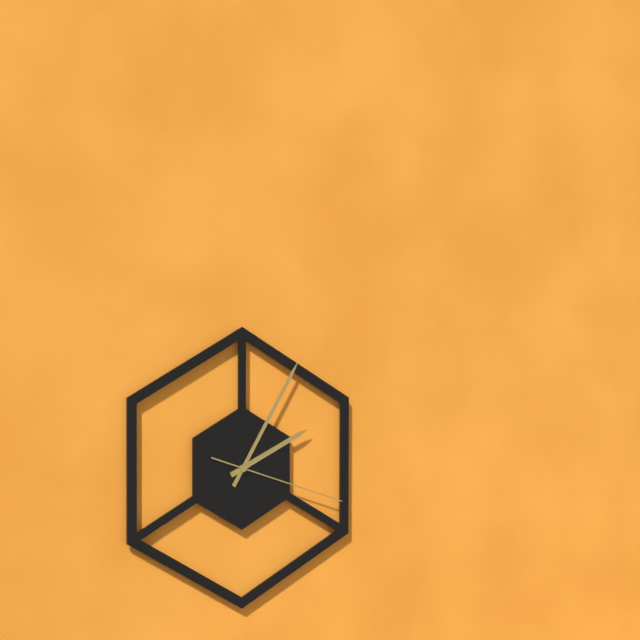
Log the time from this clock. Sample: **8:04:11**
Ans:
**2:05:18**
